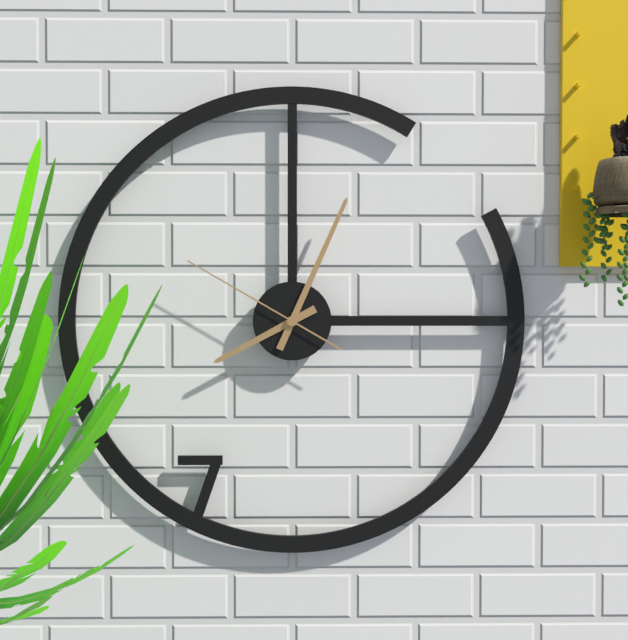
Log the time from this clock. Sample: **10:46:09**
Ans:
**8:04:50**
